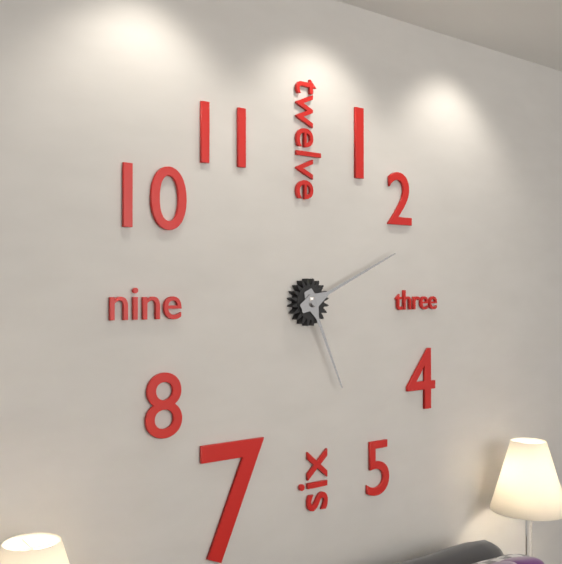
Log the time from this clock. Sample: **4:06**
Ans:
**5:11**
